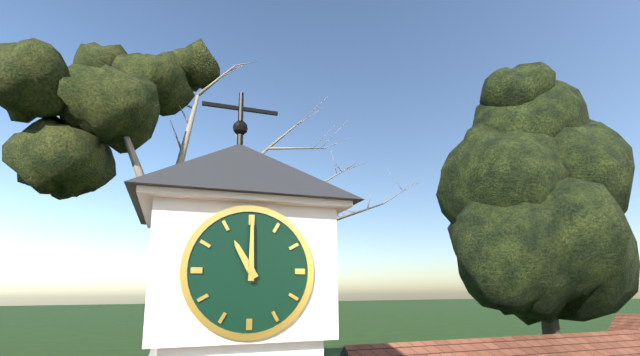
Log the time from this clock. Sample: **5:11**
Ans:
**11:00**
